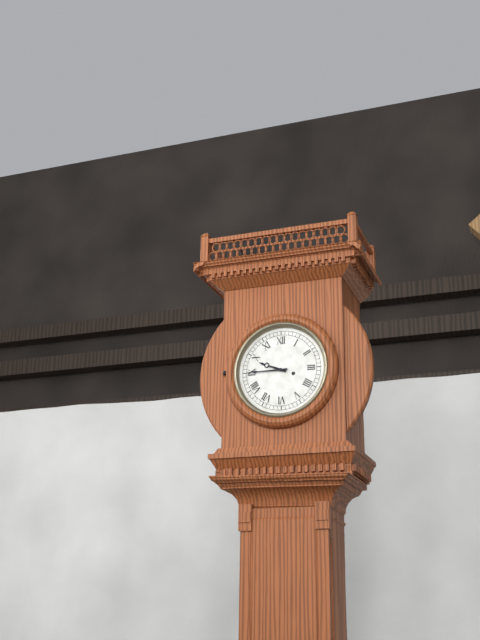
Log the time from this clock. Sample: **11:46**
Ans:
**9:45**
